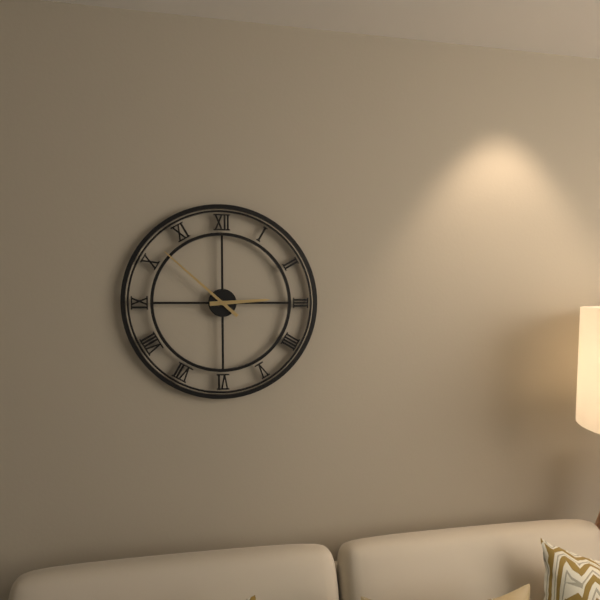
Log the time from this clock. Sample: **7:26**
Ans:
**2:52**
